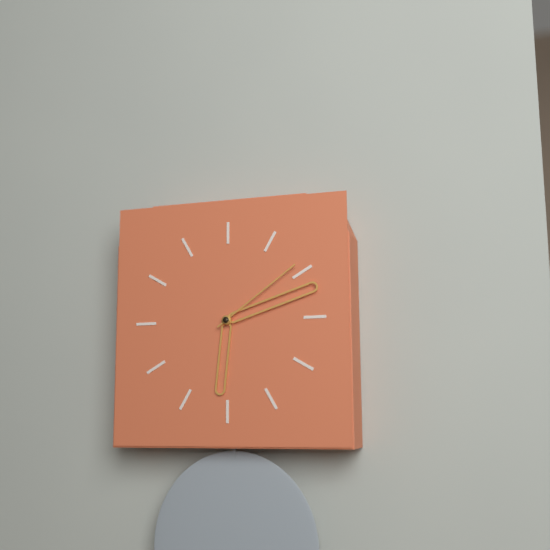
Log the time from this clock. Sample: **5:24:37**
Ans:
**6:12:09**
